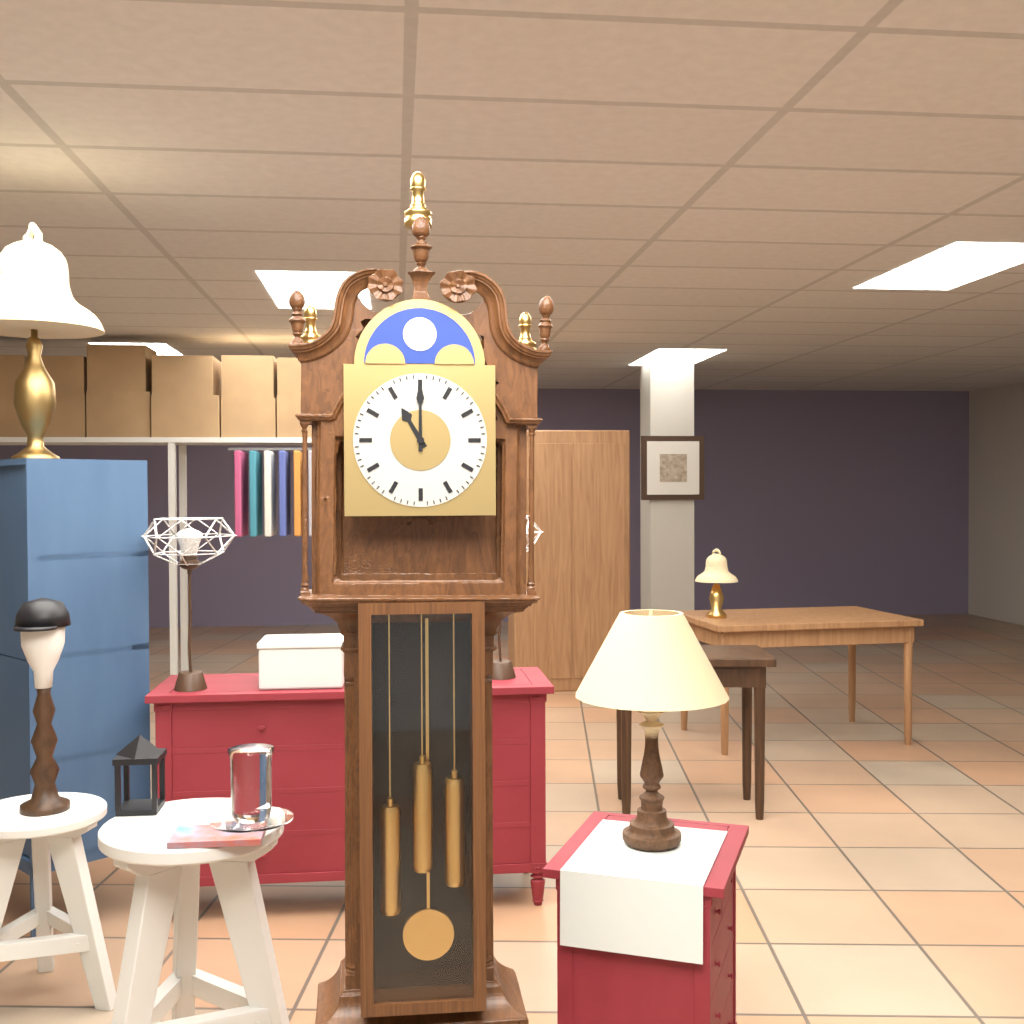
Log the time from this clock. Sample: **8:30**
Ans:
**11:00**
